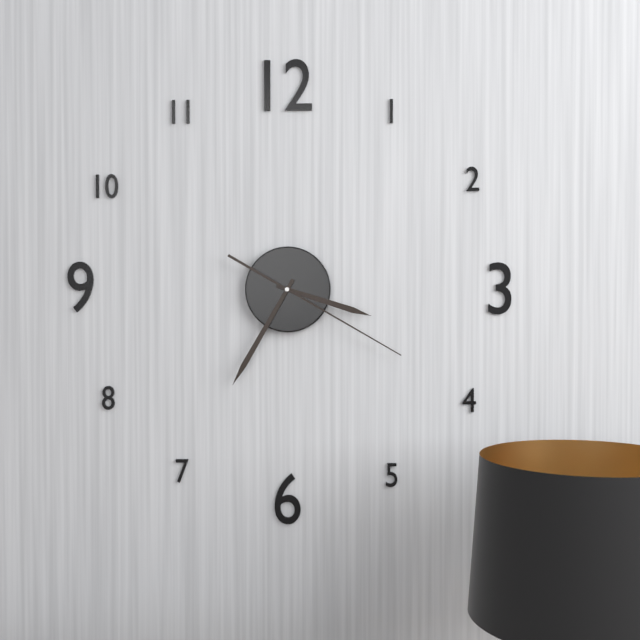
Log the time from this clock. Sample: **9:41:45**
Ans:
**3:35:20**
